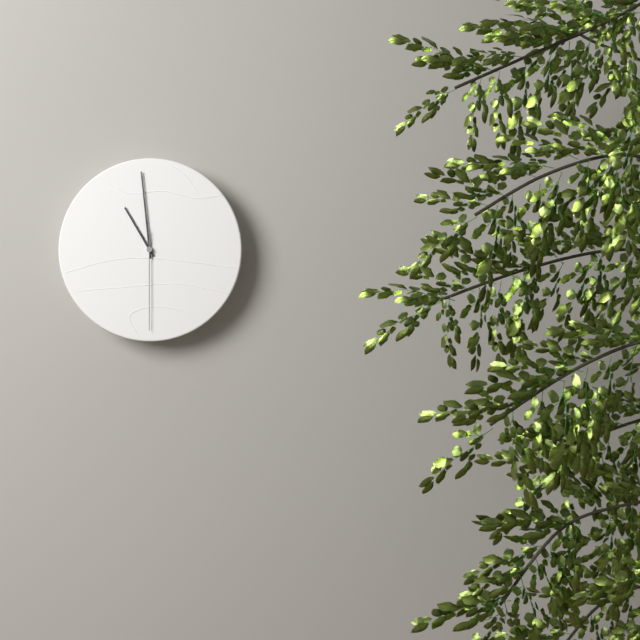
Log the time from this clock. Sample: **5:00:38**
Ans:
**10:59:30**
